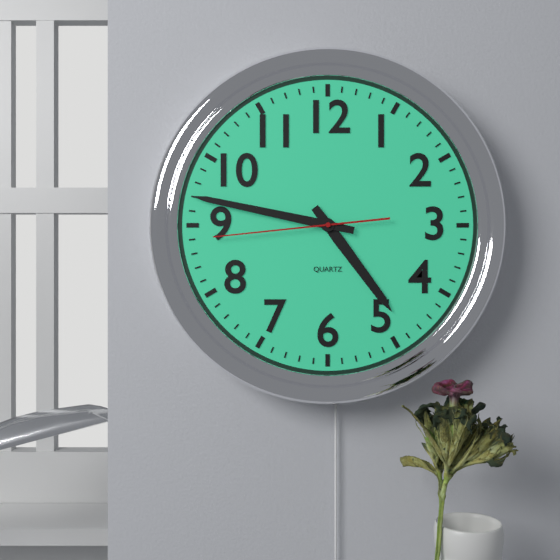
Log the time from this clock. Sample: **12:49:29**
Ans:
**4:47:44**
